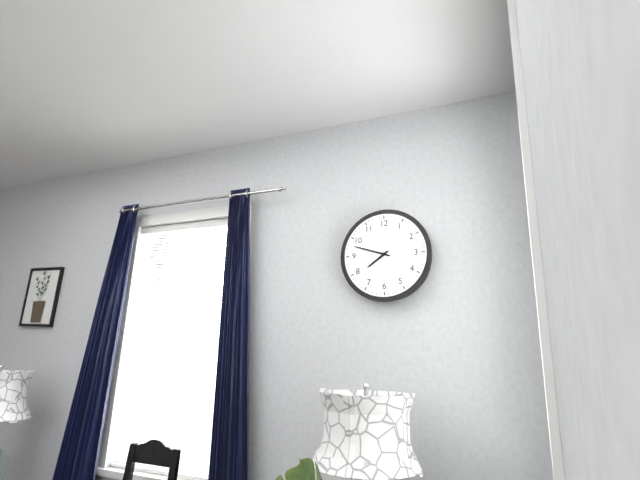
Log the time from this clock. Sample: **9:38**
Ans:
**7:48**
